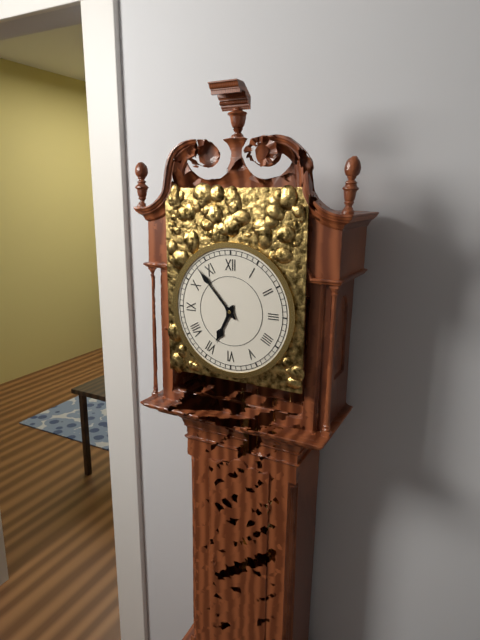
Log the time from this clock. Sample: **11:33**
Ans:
**6:53**
